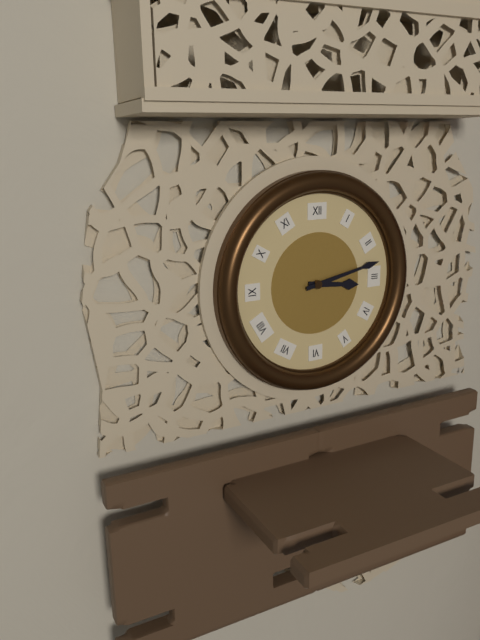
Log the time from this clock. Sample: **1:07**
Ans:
**3:13**
